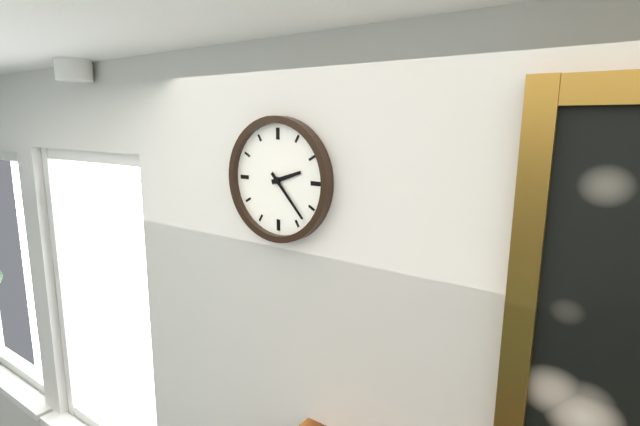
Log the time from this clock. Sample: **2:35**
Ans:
**2:23**
